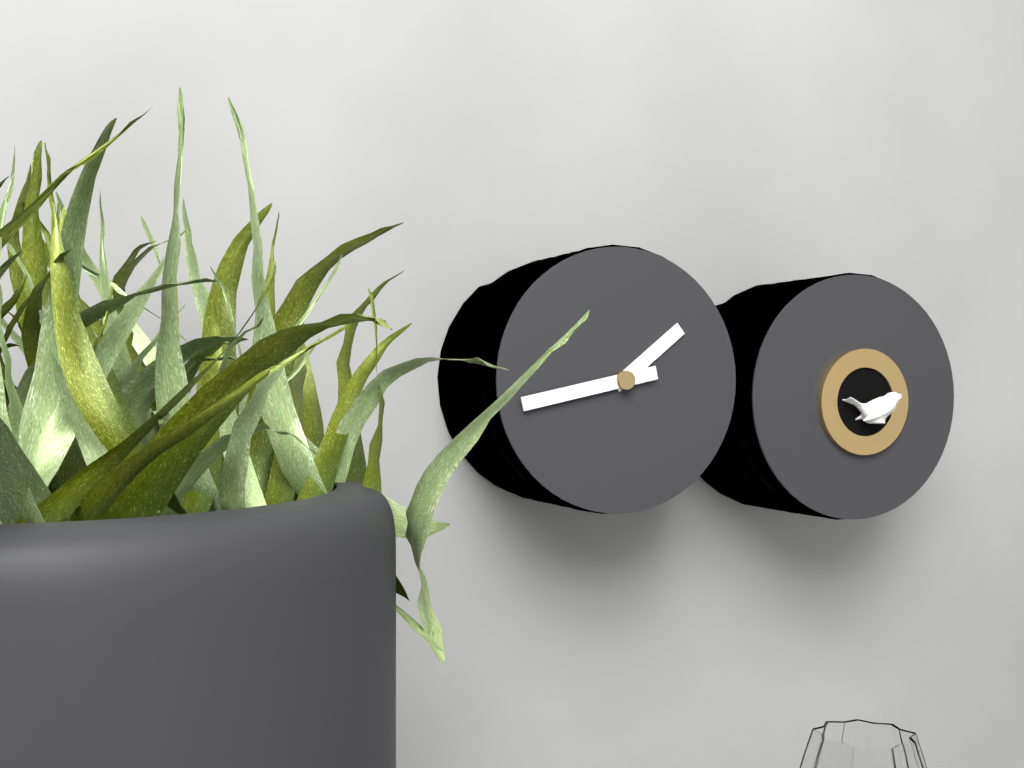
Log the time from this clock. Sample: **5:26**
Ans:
**1:43**
